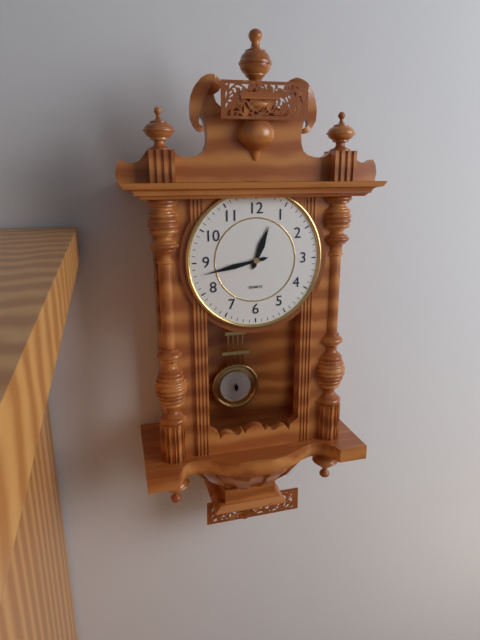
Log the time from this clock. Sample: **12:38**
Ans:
**12:43**
